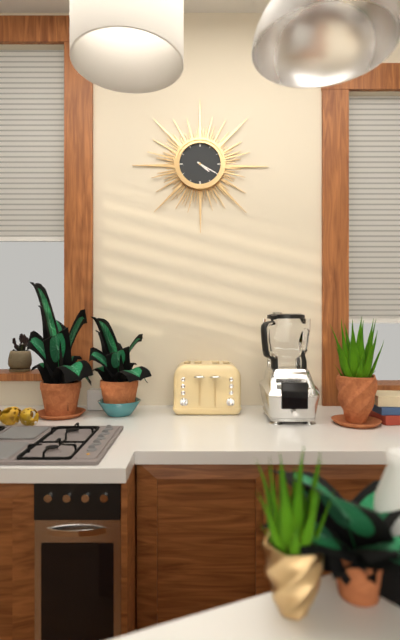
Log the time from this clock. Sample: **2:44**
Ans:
**4:20**
